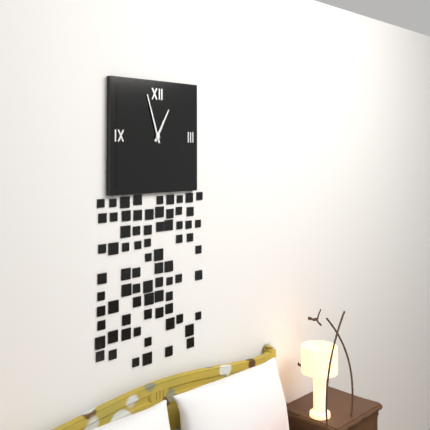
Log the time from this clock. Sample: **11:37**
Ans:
**12:57**
